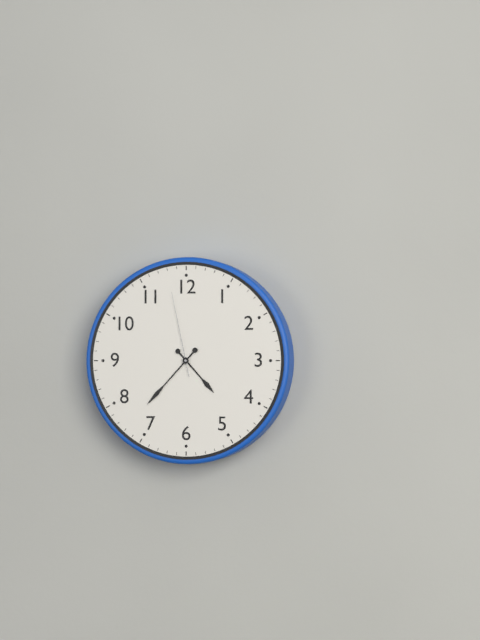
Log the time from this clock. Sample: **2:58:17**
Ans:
**4:37:58**
